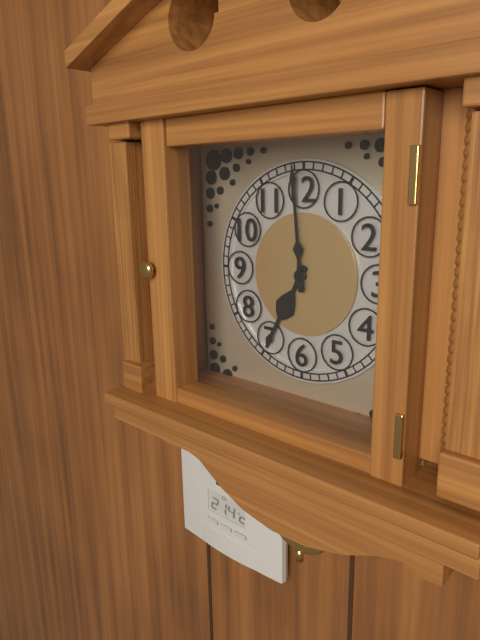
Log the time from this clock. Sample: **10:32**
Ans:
**6:59**
